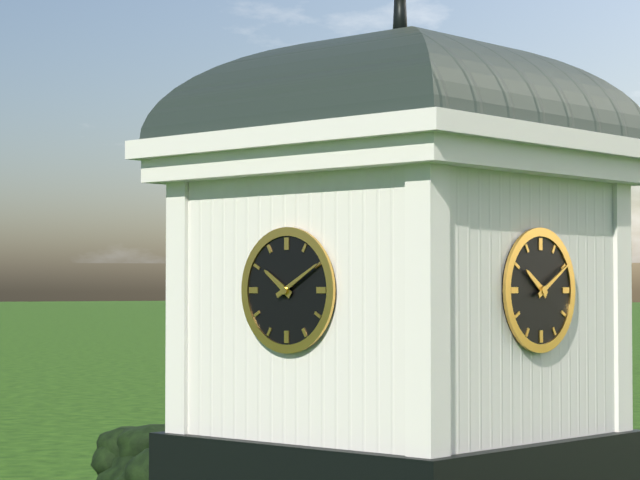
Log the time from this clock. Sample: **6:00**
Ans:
**10:10**
